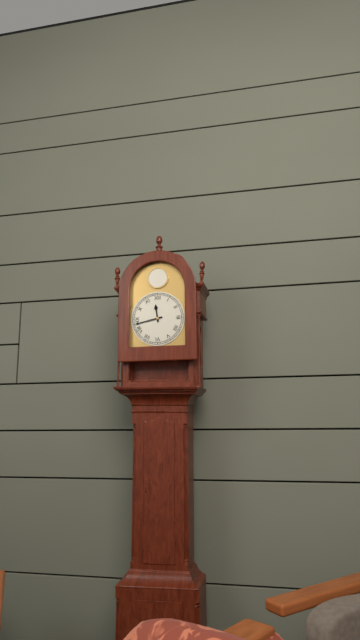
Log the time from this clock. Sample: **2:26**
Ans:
**11:43**
